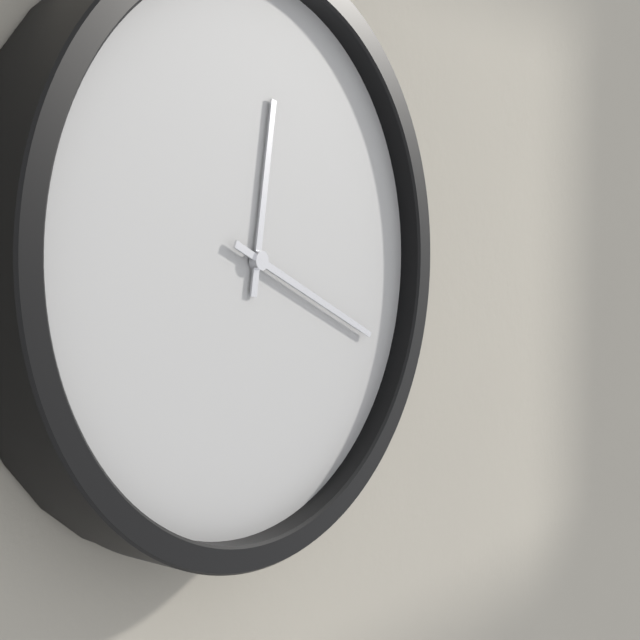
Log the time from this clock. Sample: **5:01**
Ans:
**12:19**
